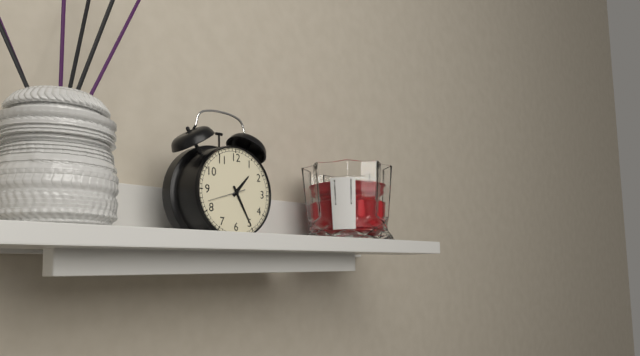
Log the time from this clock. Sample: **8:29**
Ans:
**1:25**
